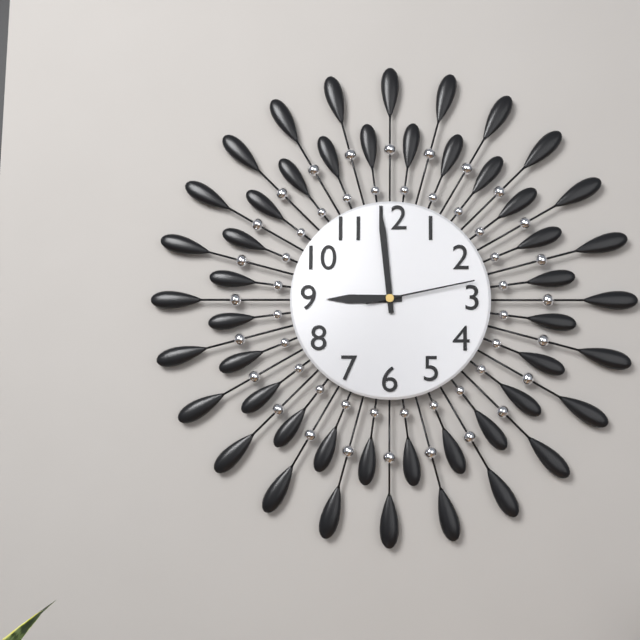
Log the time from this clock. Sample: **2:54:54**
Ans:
**8:59:13**
